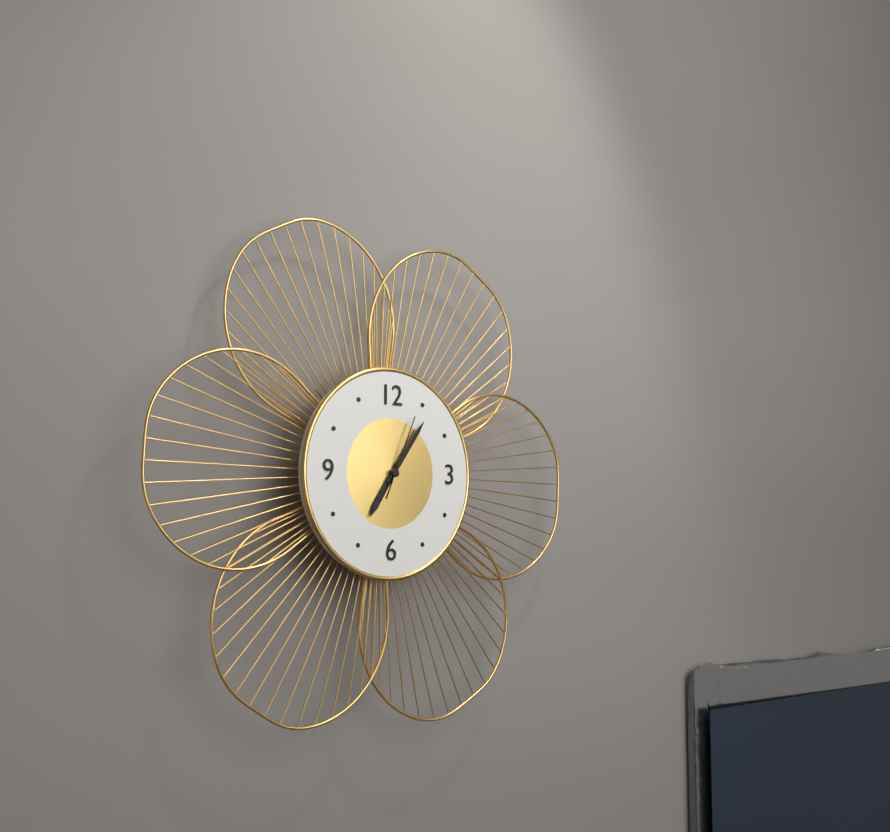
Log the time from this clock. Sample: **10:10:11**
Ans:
**7:06:04**
